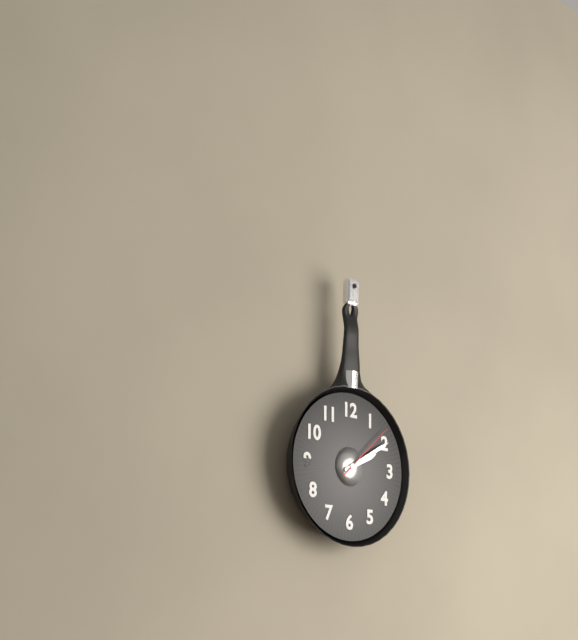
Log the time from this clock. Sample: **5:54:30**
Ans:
**2:10:08**
